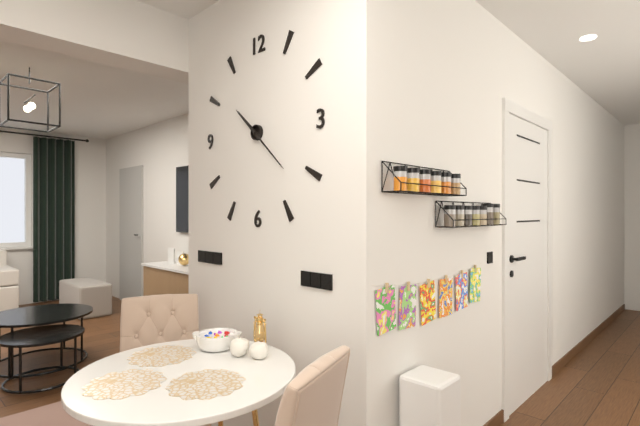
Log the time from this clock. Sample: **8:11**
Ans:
**10:22**
